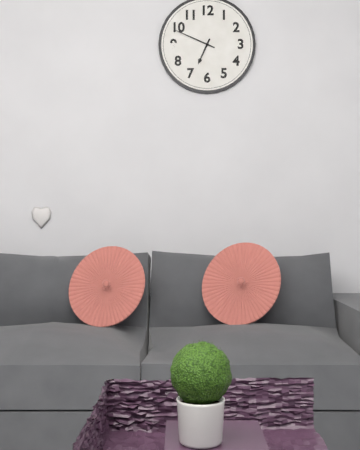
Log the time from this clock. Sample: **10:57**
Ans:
**6:49**
